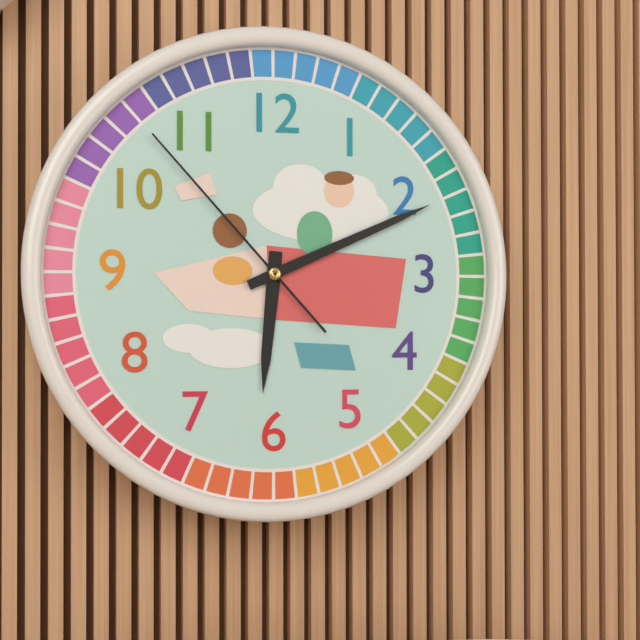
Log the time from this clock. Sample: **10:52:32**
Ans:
**6:11:53**
